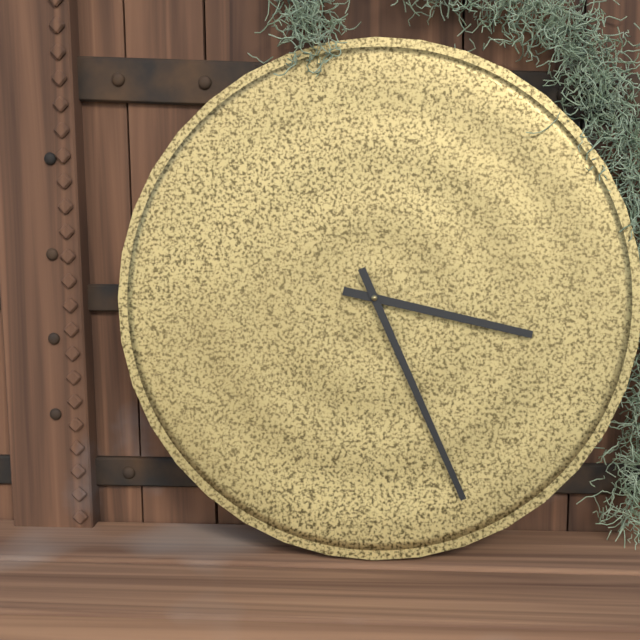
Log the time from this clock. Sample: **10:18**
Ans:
**3:26**
